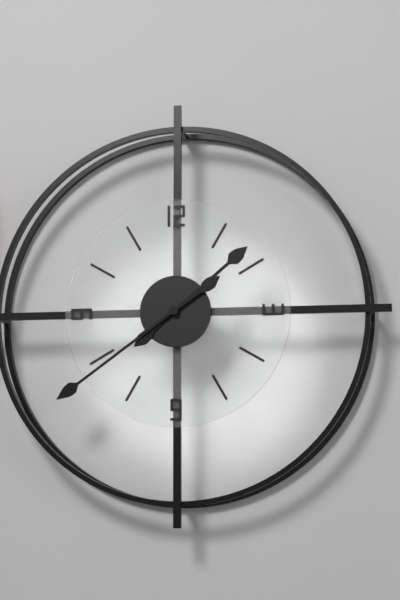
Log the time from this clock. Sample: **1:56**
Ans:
**1:39**
